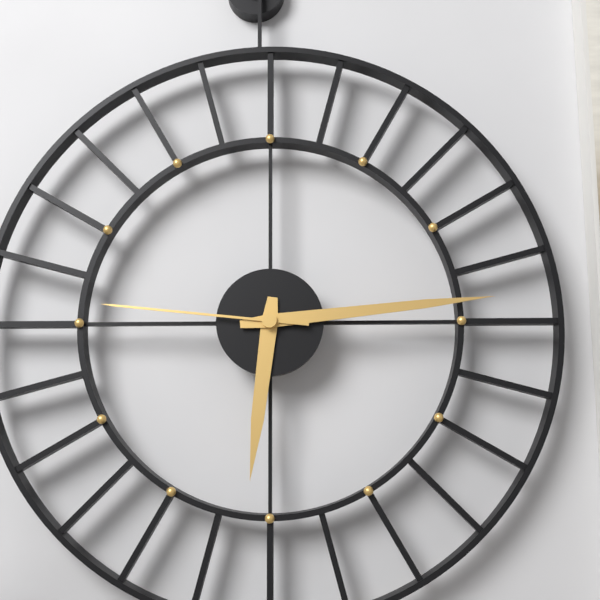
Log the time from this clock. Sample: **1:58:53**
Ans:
**6:14:46**
